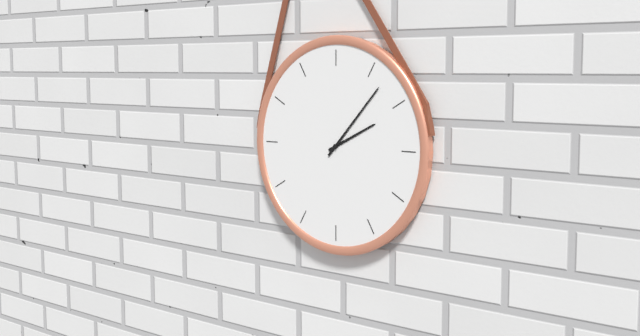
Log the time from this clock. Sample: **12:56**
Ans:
**2:07**
